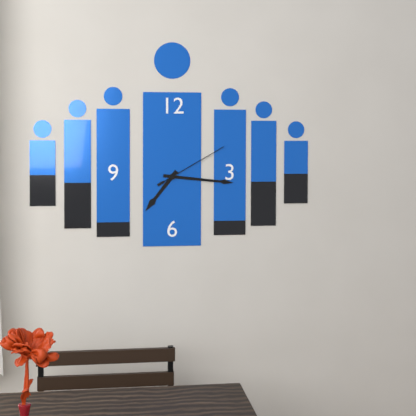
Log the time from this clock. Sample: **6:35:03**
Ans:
**7:16:10**
